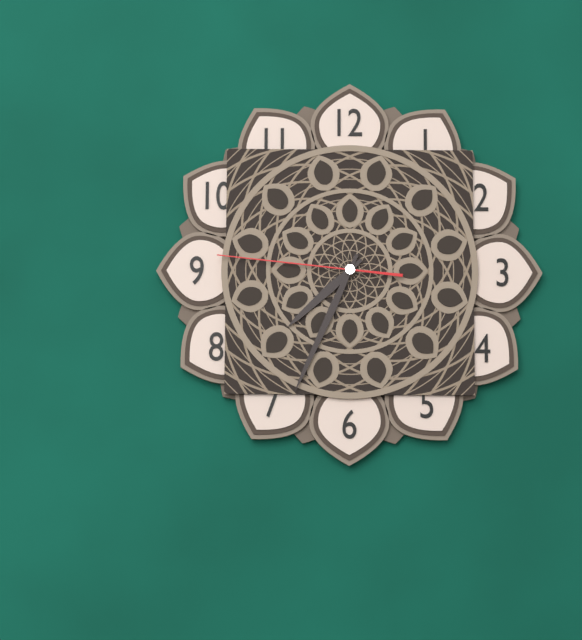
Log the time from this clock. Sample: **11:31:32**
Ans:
**7:34:46**
